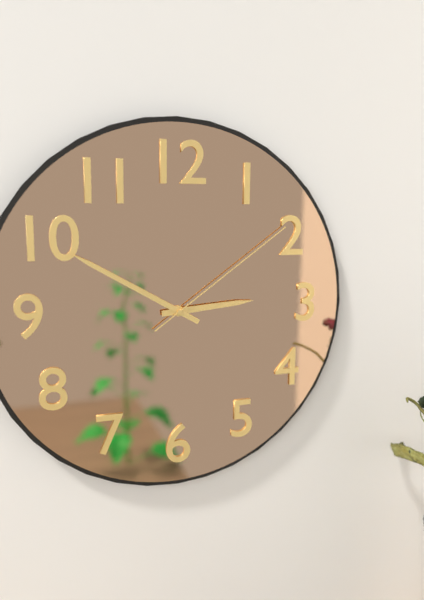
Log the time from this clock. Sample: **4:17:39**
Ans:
**2:50:09**
